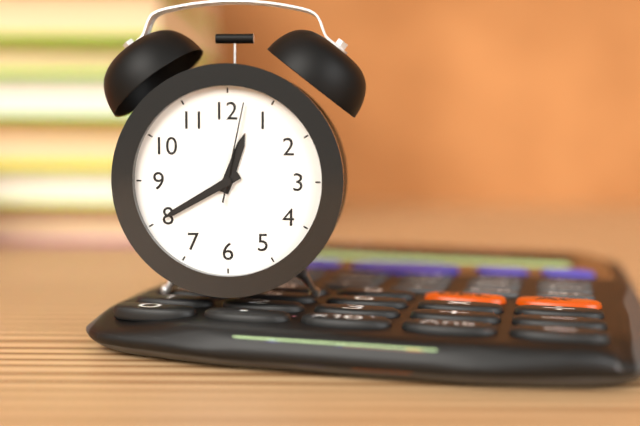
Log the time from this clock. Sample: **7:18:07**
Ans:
**12:40:02**
